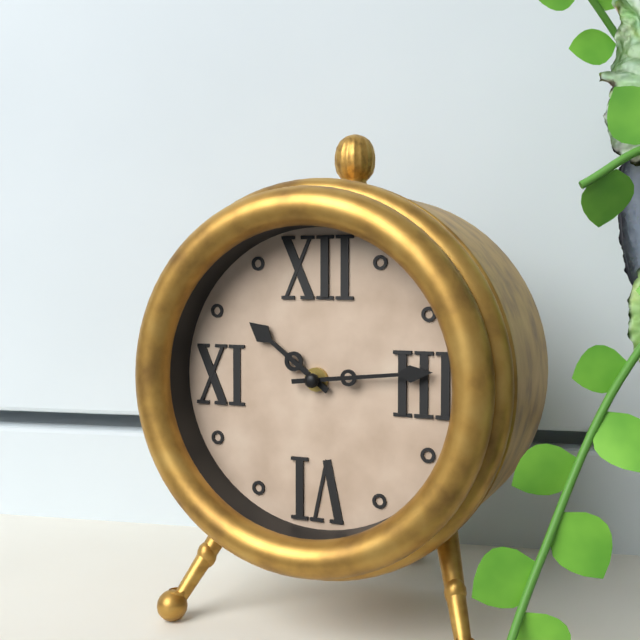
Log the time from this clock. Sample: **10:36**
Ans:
**10:14**
